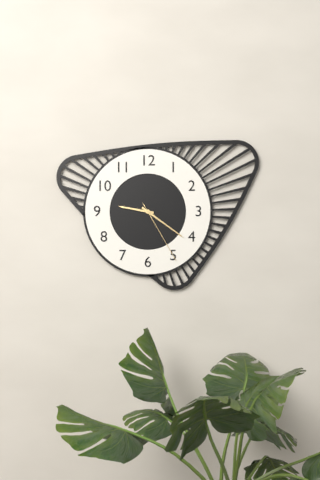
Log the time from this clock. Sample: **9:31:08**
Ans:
**9:21:25**
